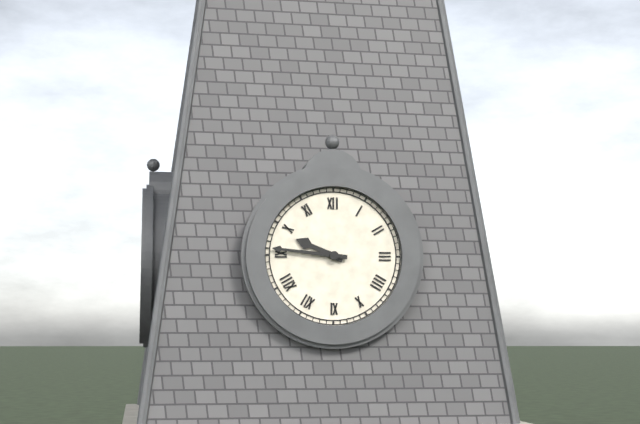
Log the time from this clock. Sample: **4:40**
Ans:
**9:46**
